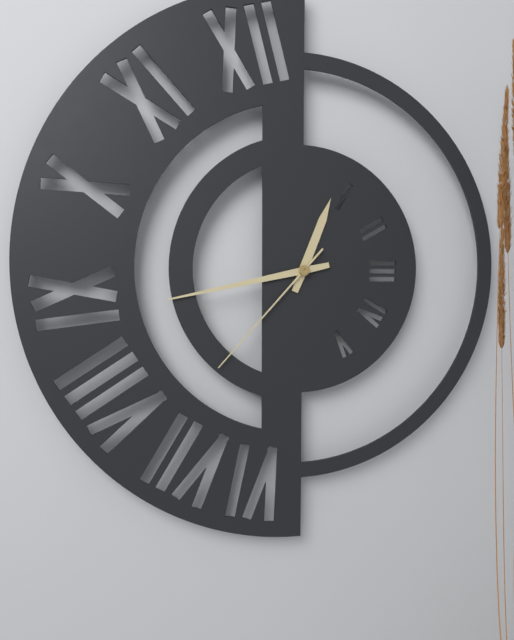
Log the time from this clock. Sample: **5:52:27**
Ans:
**12:43:37**
